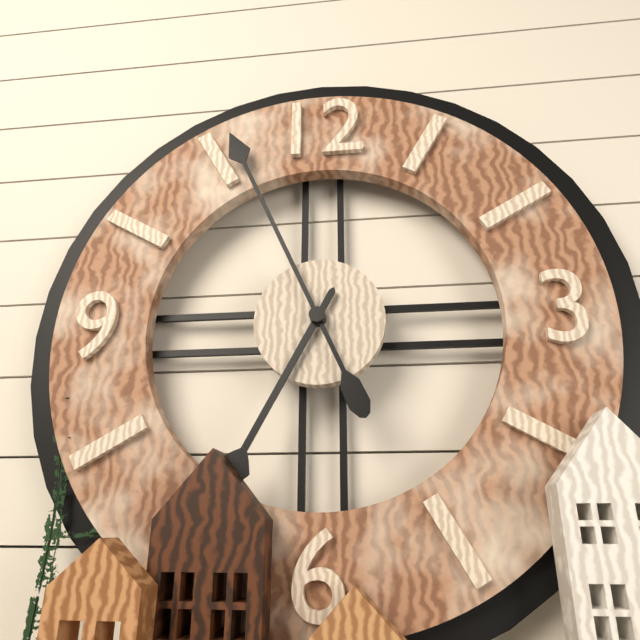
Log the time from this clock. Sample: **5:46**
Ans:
**6:56**
